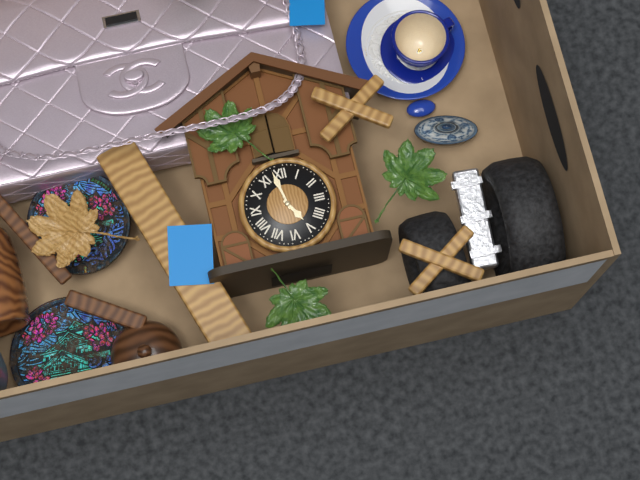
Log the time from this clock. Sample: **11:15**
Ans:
**4:58**
